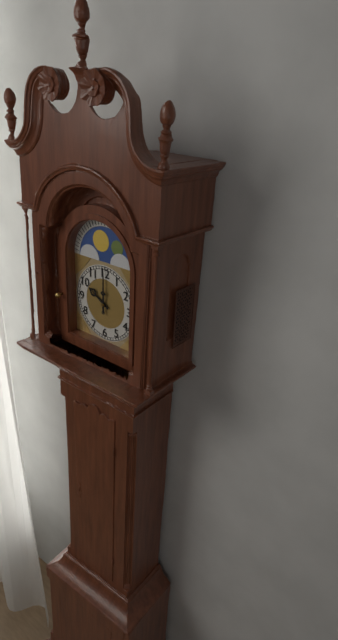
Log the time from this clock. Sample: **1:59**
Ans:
**10:00**
